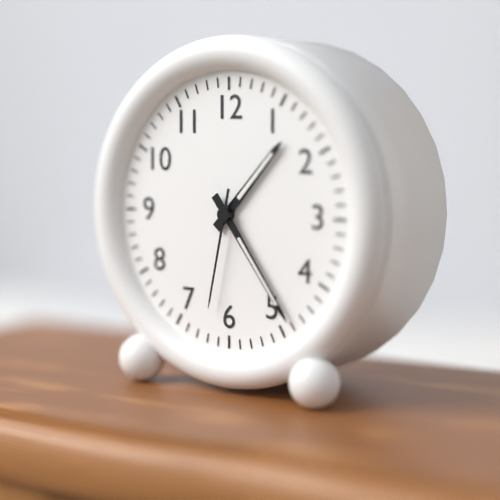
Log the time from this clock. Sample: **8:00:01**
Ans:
**1:24:32**
